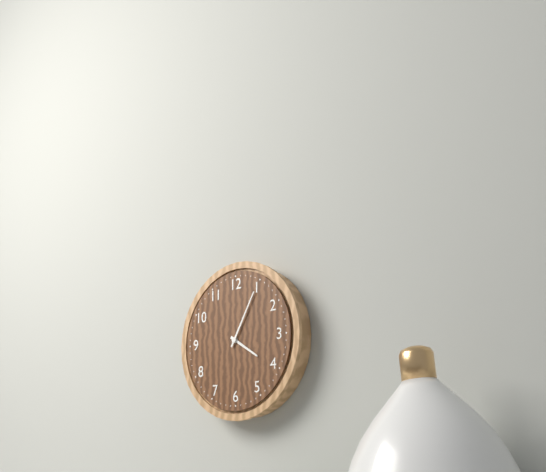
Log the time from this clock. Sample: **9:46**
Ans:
**4:05**
